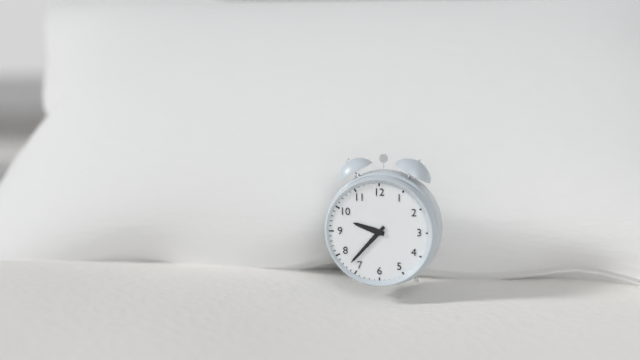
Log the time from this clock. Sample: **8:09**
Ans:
**9:37**
